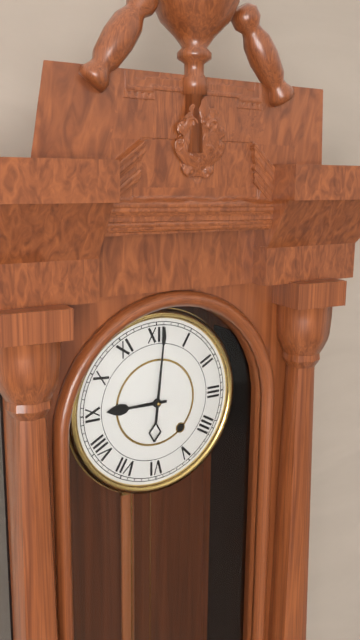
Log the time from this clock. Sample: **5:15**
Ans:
**9:01**
